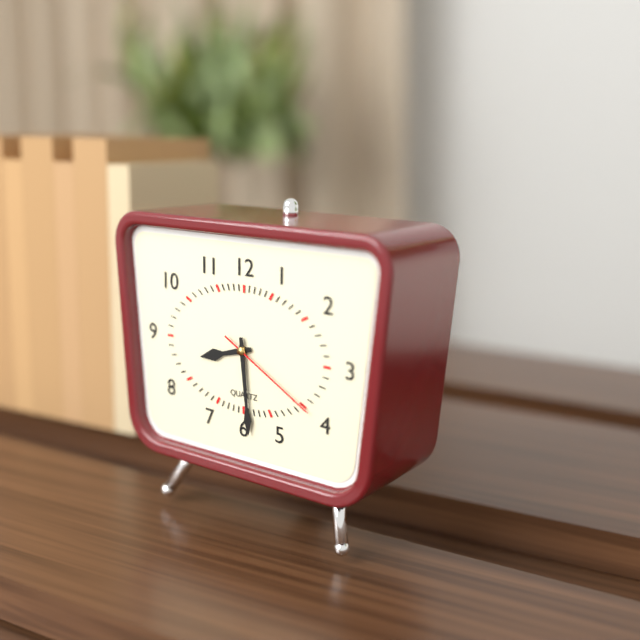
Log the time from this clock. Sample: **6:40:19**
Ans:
**8:29:20**
